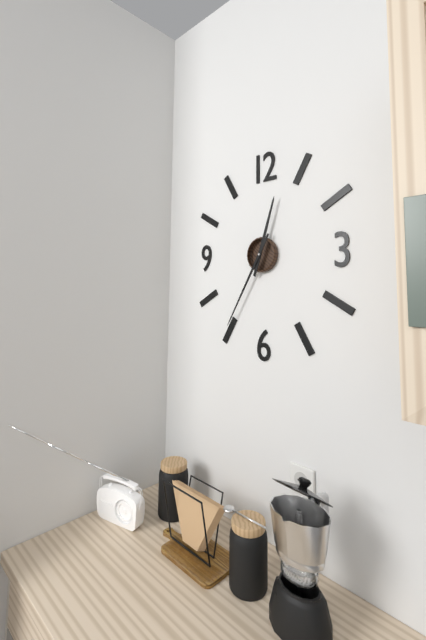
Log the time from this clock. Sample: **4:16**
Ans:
**12:35**
